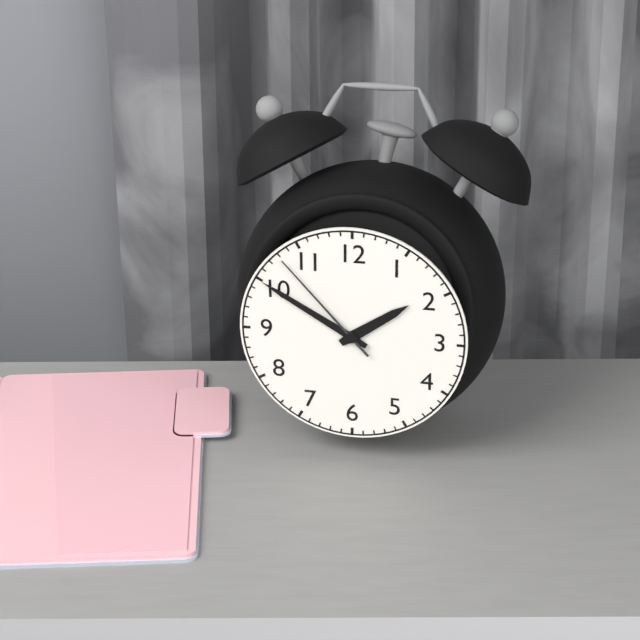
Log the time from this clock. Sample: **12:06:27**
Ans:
**1:50:53**
